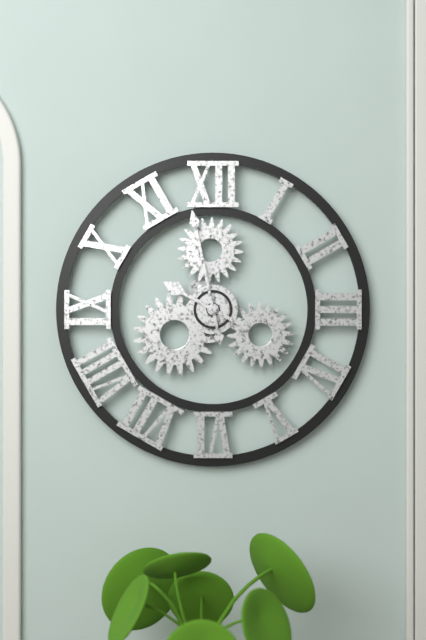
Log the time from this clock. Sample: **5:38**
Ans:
**9:58**
